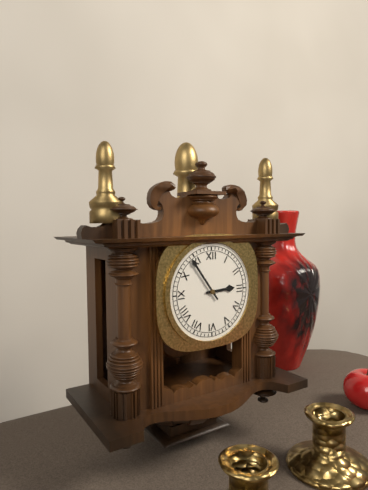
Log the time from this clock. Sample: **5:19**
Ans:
**2:54**
